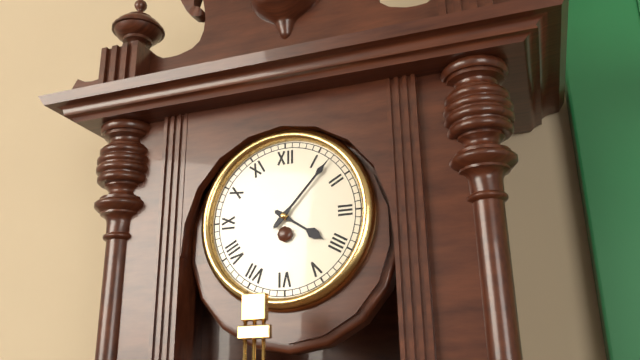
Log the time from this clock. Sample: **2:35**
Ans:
**4:07**
